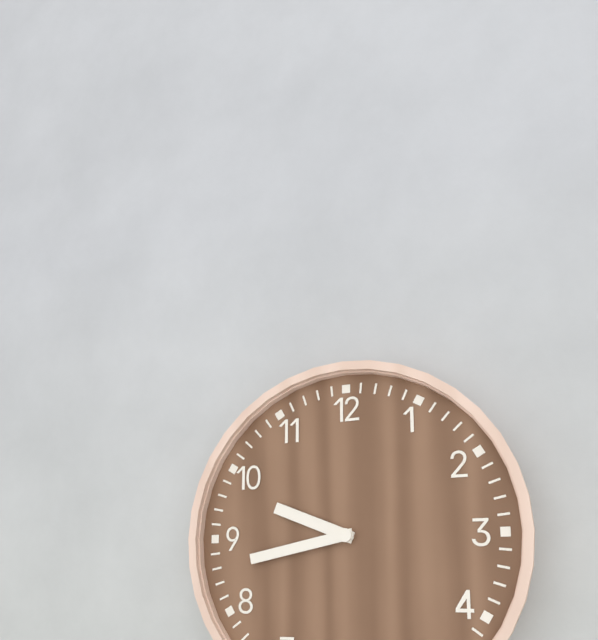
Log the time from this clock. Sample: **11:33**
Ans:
**9:43**
